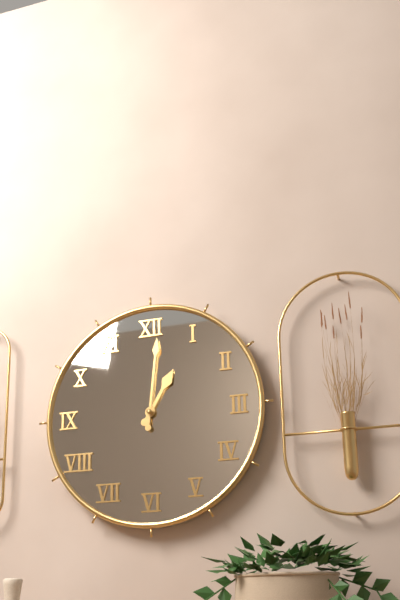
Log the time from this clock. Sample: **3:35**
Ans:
**1:01**
